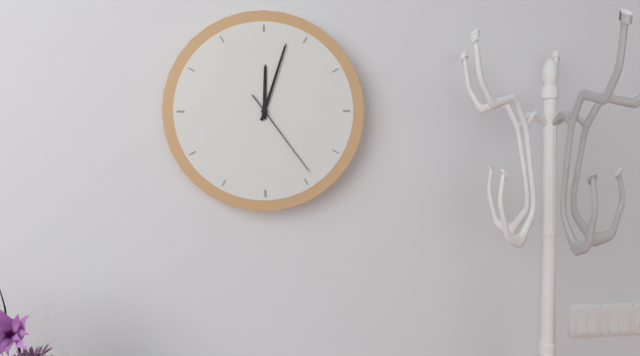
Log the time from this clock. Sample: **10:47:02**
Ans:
**12:03:24**
